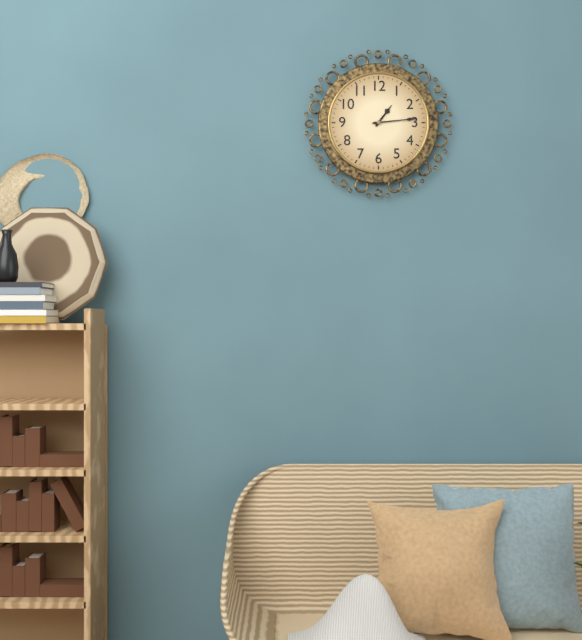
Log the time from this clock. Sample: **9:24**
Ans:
**1:14**
